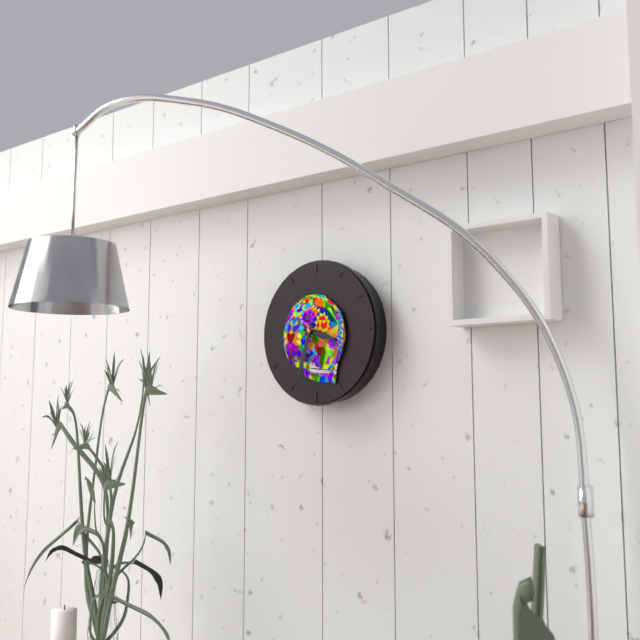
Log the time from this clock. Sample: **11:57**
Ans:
**3:33**
